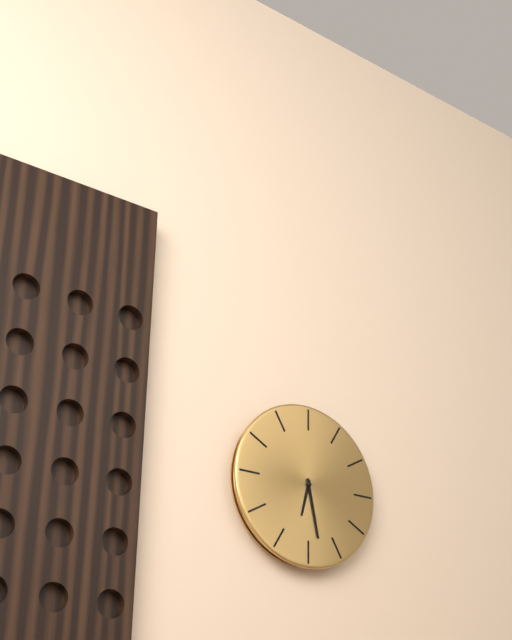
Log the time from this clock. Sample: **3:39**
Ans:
**6:28**
